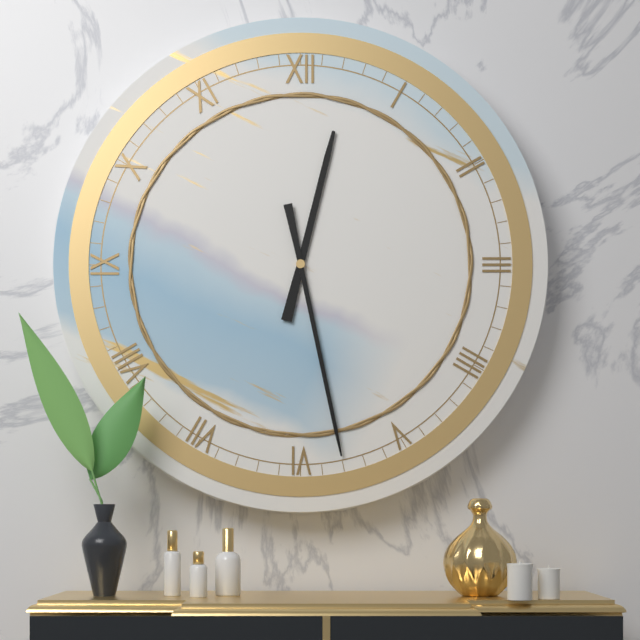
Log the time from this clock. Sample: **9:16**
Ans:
**12:28**
